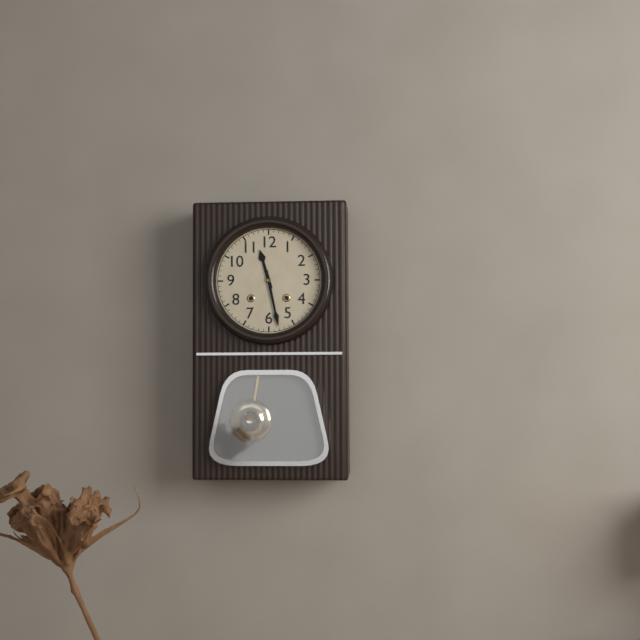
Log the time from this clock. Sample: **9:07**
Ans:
**11:28**
